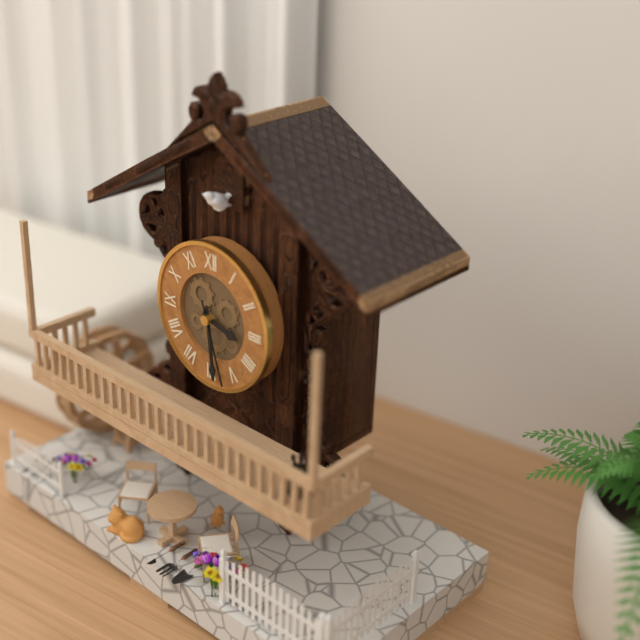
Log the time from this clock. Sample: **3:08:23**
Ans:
**3:29:27**
